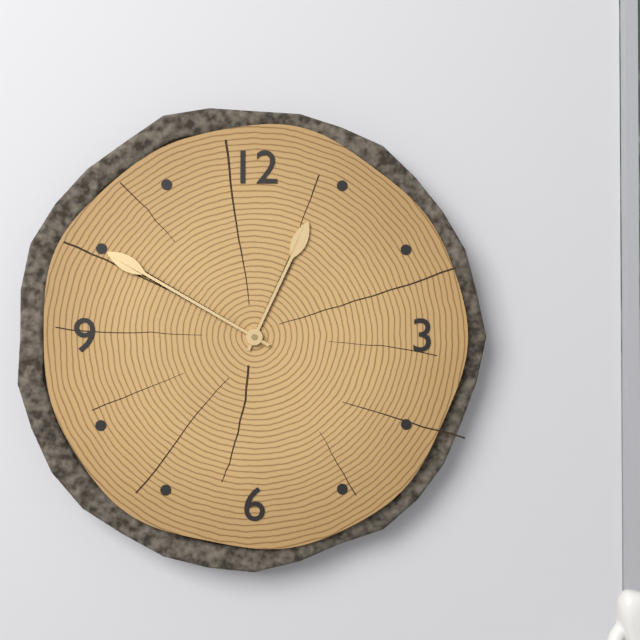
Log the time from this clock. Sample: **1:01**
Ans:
**12:50**
